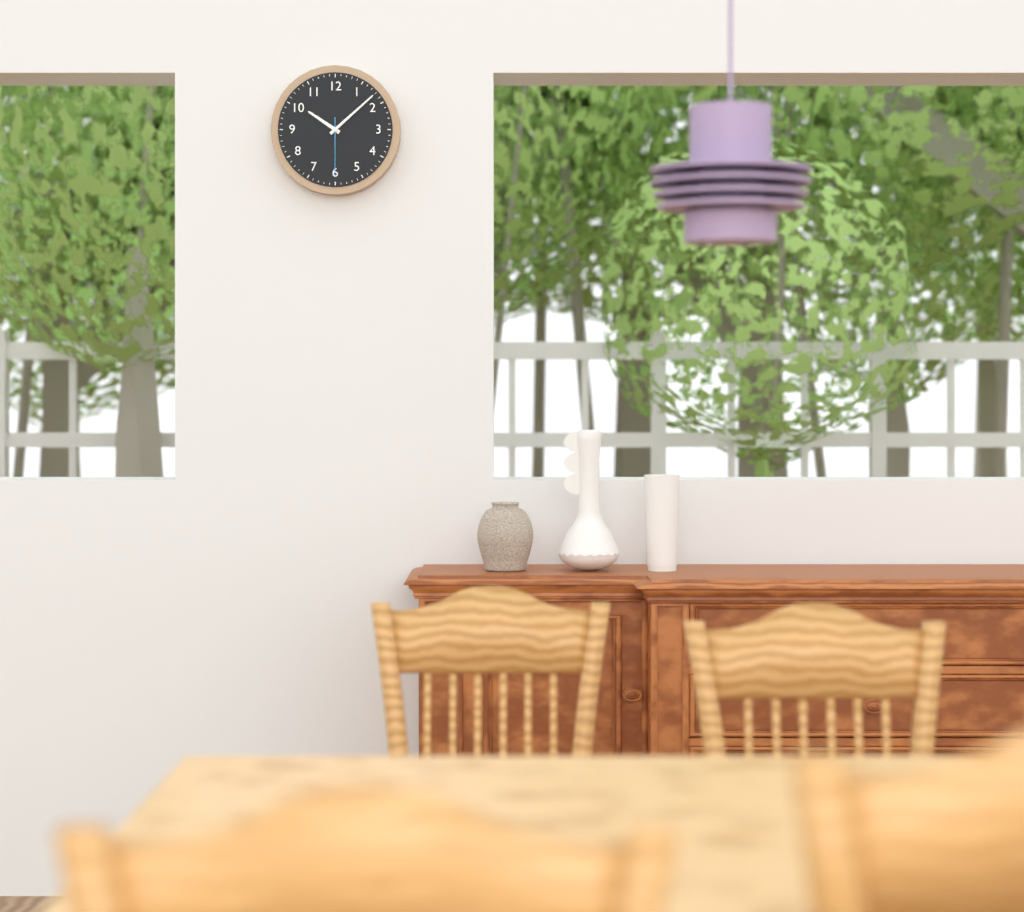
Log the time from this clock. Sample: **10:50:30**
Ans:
**10:08:30**
